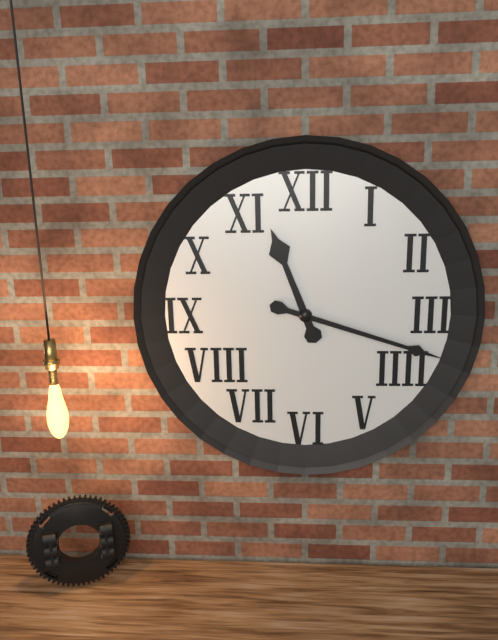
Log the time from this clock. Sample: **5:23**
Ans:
**11:18**
